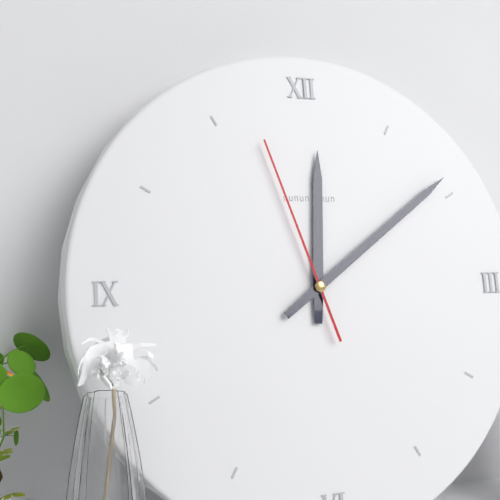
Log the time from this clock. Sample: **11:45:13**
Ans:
**12:09:57**
